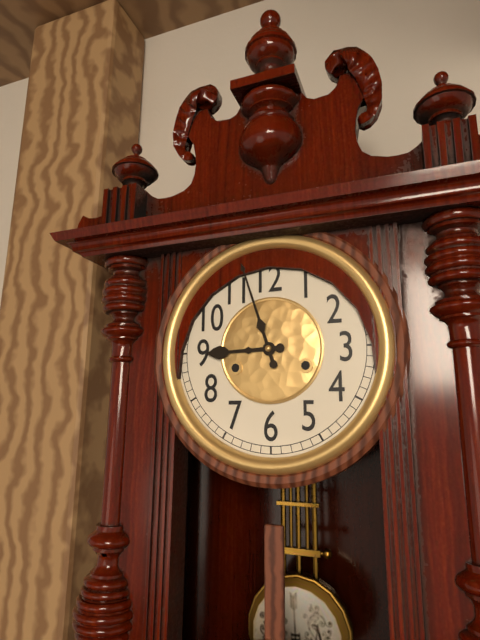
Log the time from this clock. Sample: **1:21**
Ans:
**8:57**
